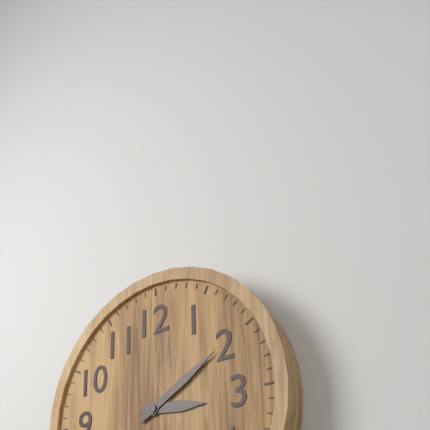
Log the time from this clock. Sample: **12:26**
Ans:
**3:10**
